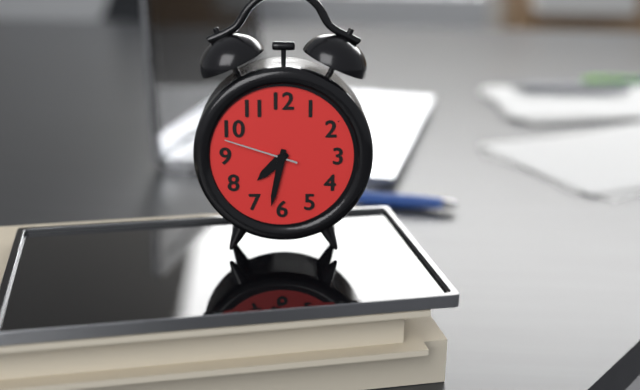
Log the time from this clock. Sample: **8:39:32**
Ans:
**7:32:48**
